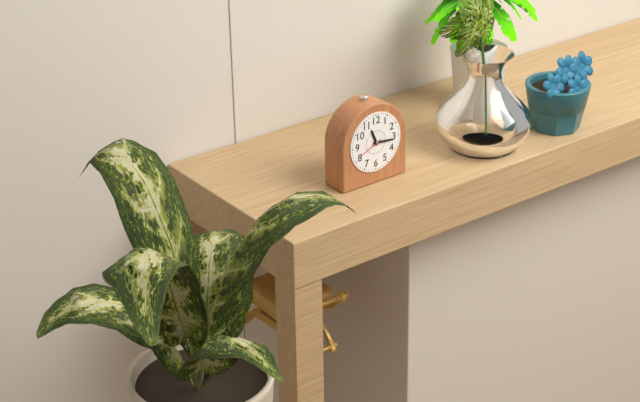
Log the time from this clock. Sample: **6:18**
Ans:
**11:16**
